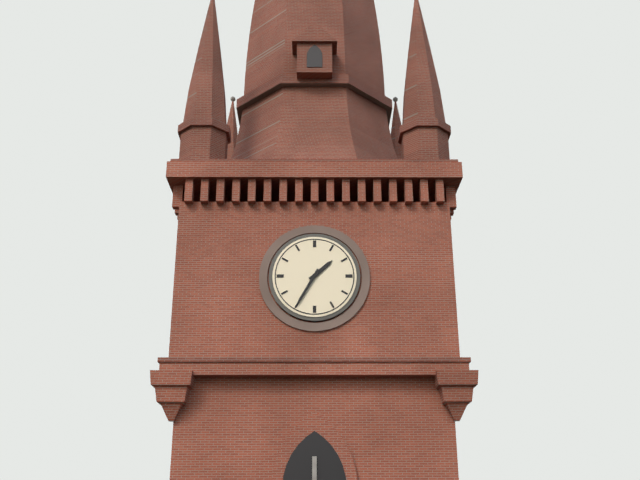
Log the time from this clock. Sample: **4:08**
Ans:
**1:35**
